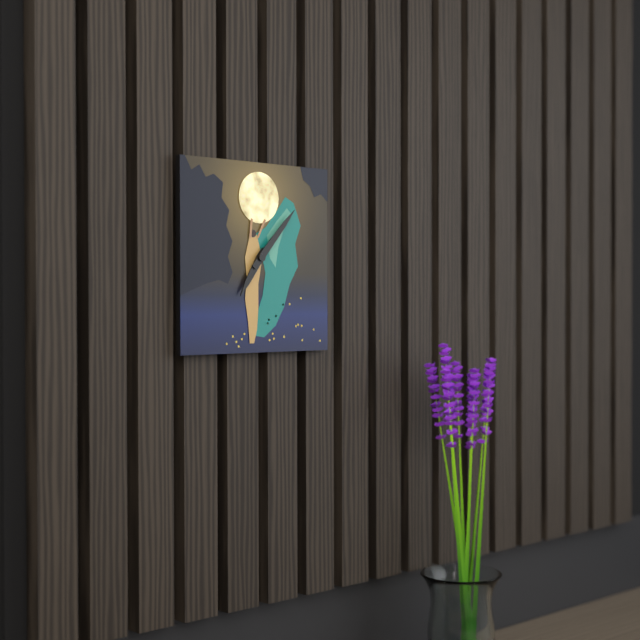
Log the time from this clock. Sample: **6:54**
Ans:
**7:07**
